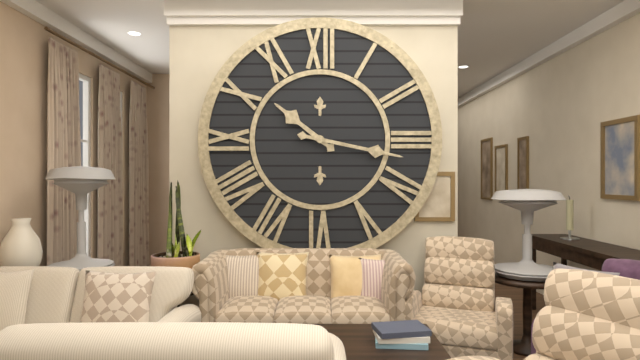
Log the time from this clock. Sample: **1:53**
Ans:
**10:17**
